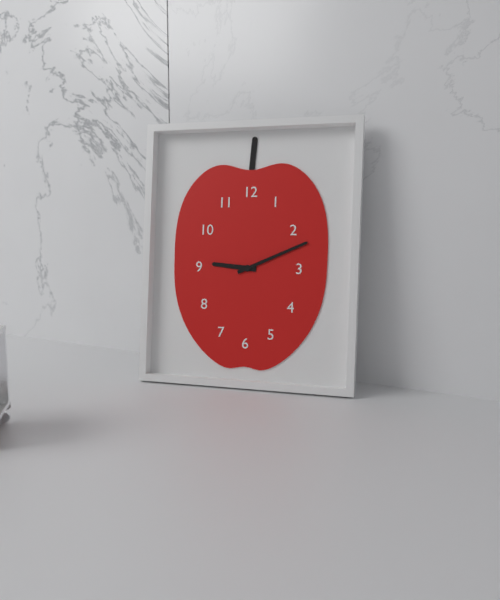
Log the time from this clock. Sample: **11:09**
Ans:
**9:11**
